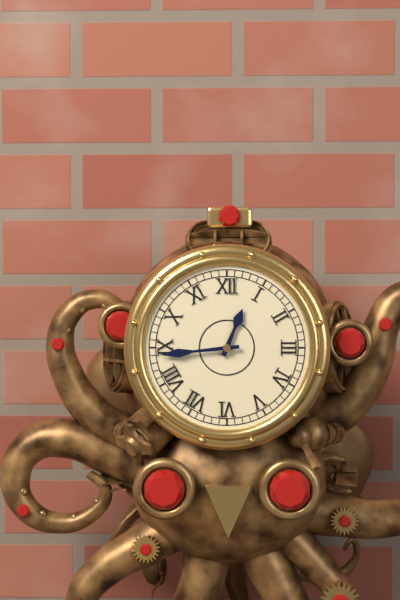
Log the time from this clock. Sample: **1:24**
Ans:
**12:44**
